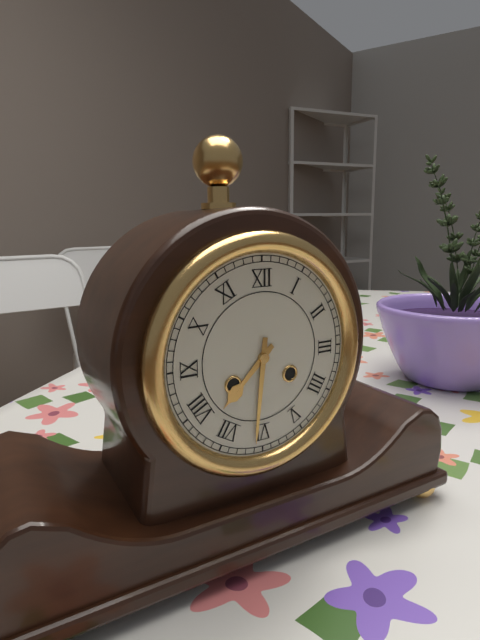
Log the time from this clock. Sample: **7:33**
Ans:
**7:31**
